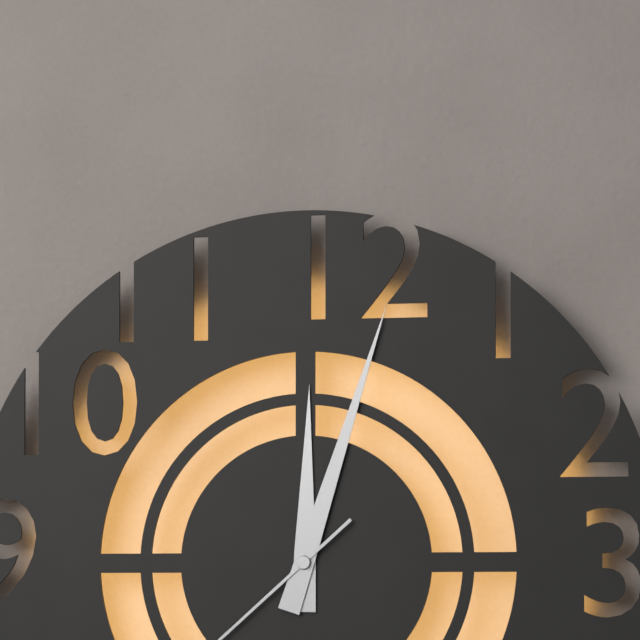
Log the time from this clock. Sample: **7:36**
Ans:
**12:03**
